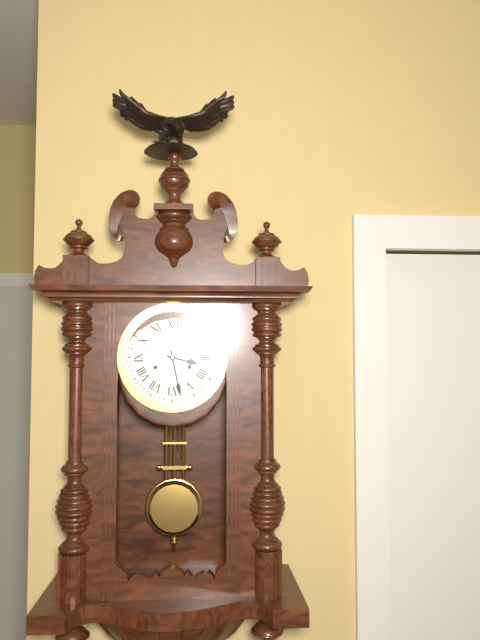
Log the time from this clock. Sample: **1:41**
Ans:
**3:28**
